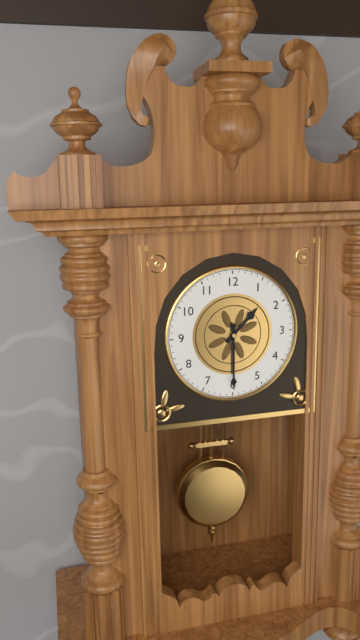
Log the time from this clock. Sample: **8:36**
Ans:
**1:30**
